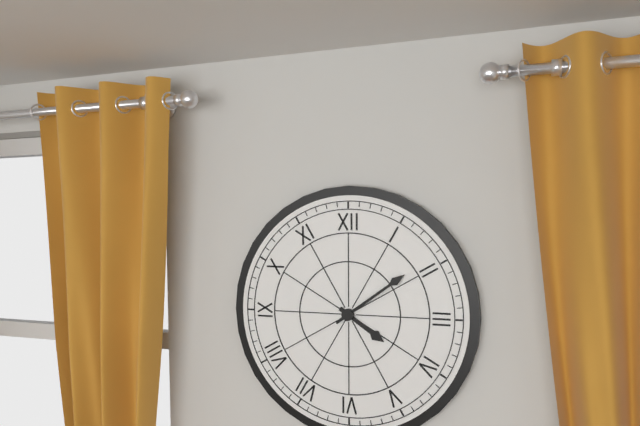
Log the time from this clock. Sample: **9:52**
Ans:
**4:09**
